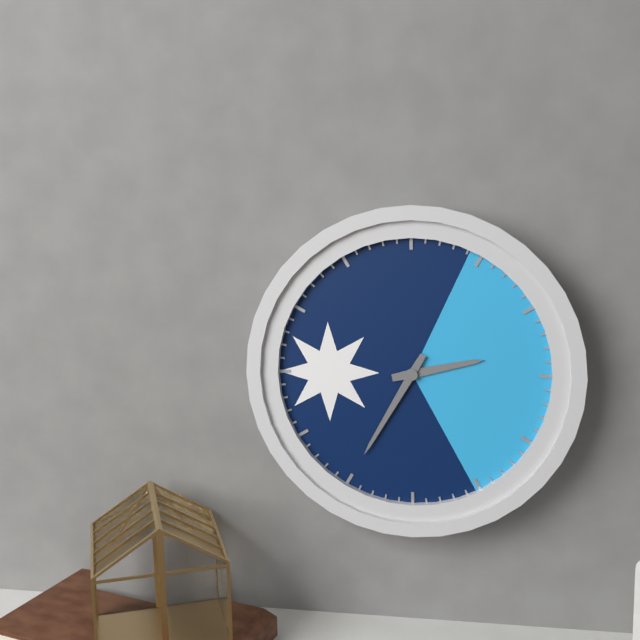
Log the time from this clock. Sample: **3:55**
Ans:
**2:35**
